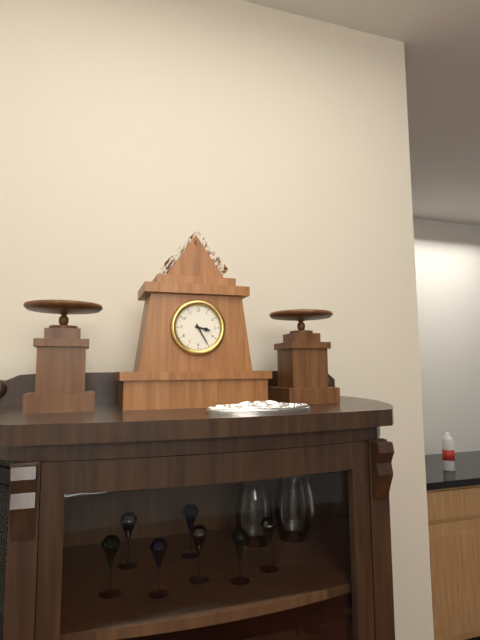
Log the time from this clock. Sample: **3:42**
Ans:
**3:25**
